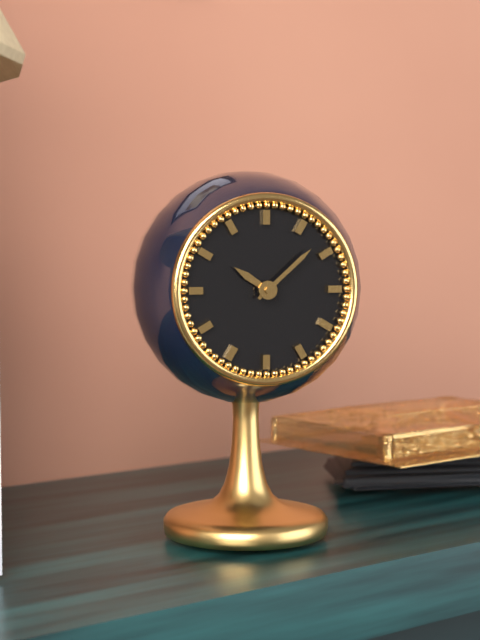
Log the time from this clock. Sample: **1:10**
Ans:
**10:08**
